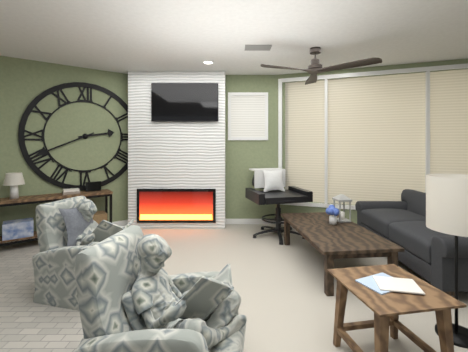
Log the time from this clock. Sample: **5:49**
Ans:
**2:41**
